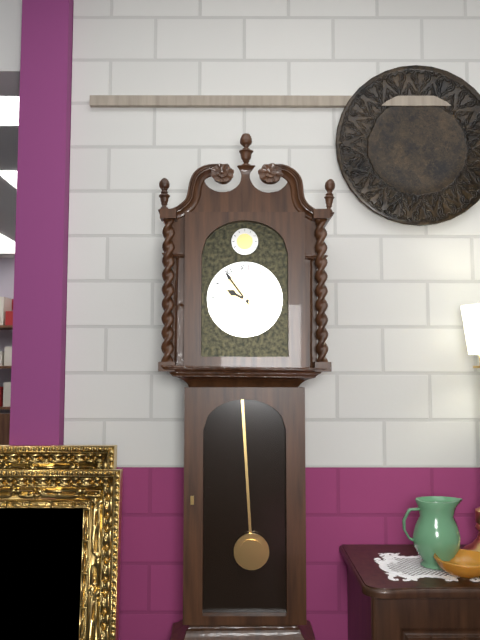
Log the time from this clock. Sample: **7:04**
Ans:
**9:54**
